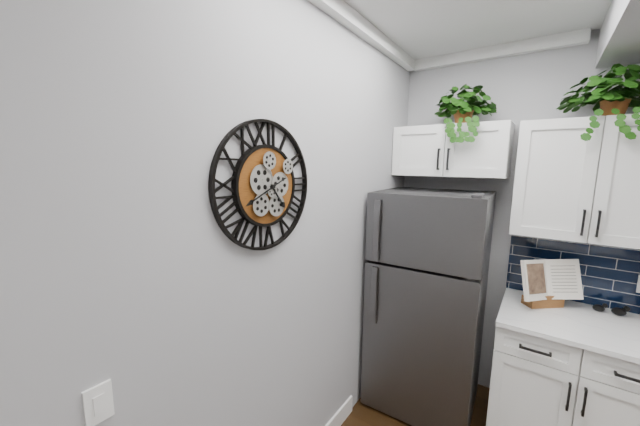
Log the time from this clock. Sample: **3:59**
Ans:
**4:41**
